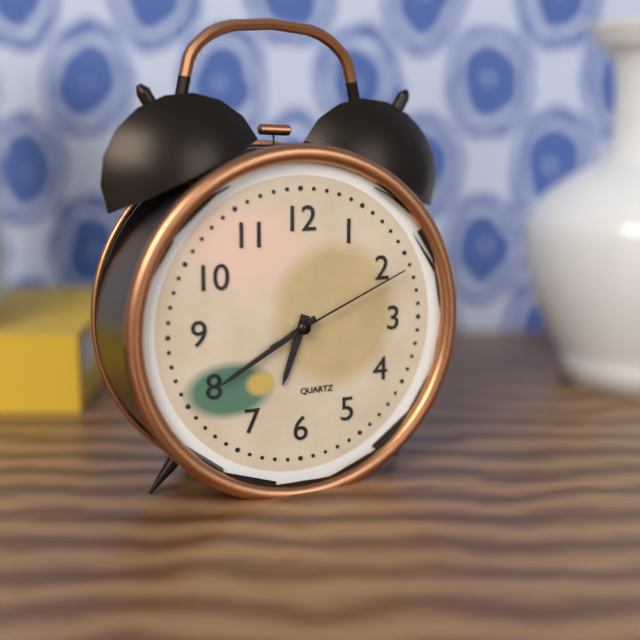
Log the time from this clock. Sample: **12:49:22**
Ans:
**6:40:11**
